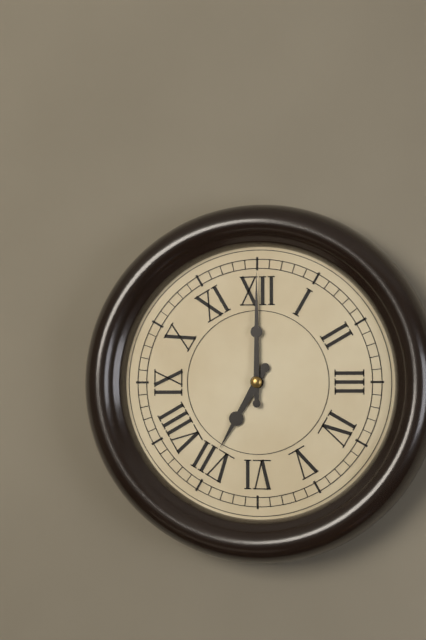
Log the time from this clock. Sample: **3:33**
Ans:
**7:00**
